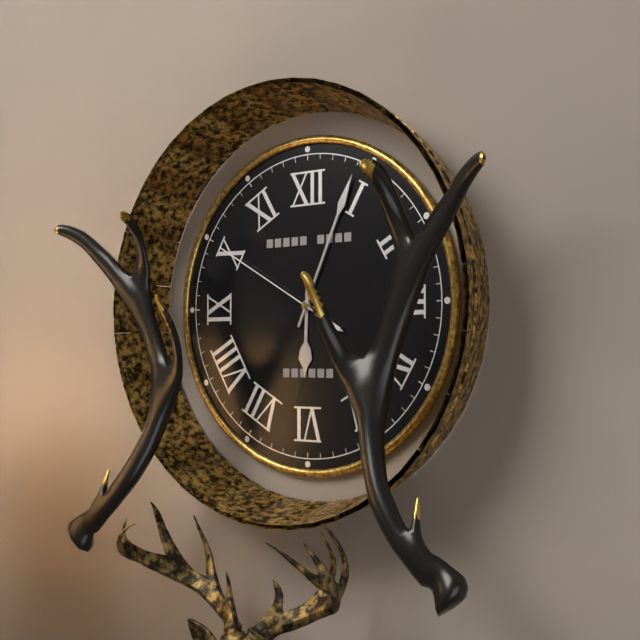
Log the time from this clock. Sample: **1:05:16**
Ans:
**6:04:50**
